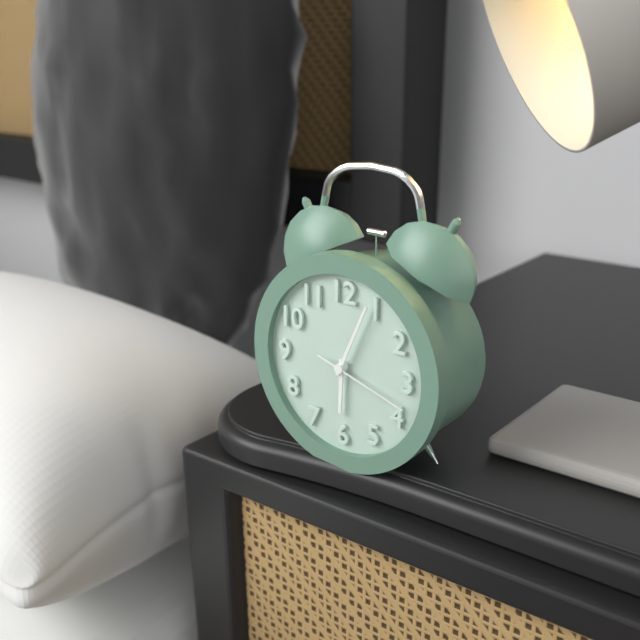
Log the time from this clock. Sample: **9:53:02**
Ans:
**6:04:18**
